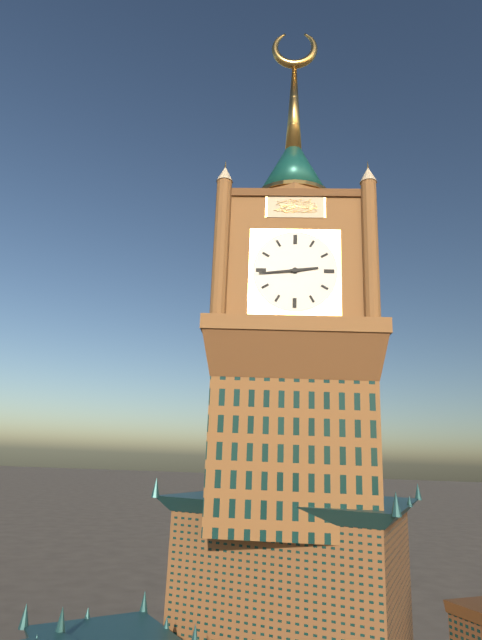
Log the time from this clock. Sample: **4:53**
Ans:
**2:44**
